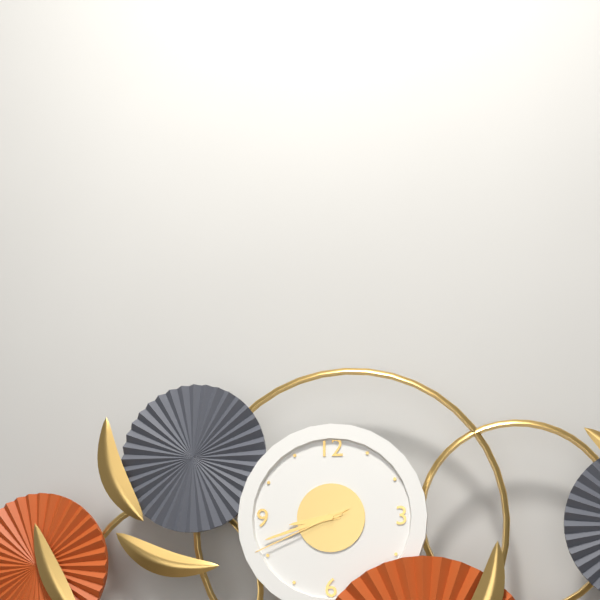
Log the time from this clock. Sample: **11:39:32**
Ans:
**8:42:41**
